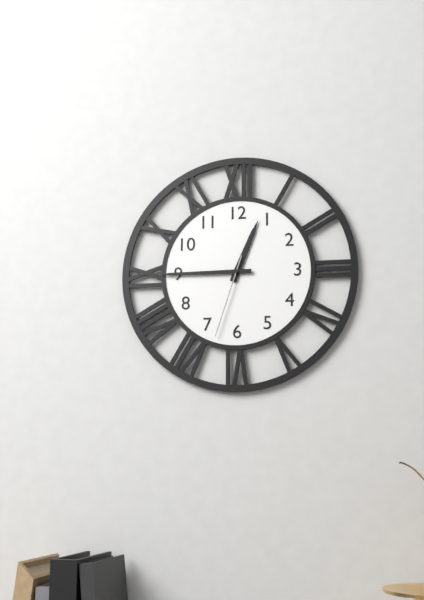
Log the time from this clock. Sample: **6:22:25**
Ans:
**12:45:33**
